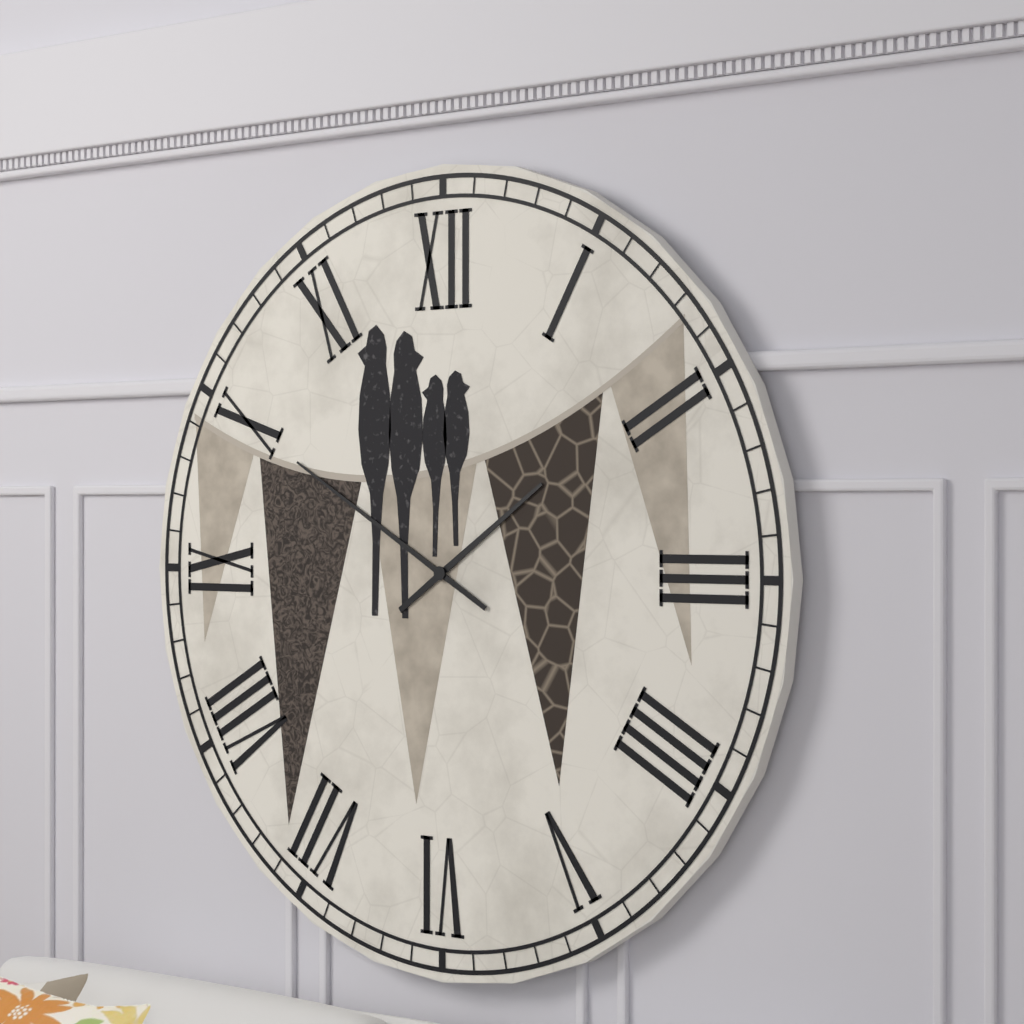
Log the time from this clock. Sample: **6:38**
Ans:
**1:50**
